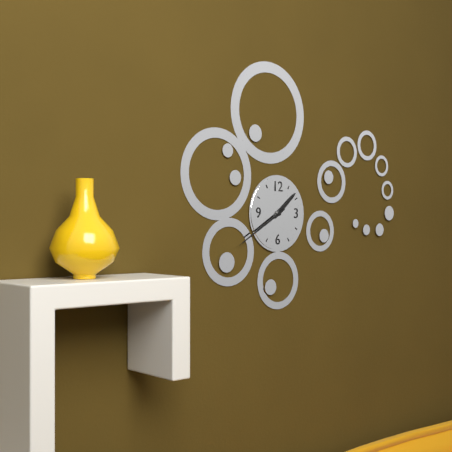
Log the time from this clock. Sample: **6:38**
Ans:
**1:40**
